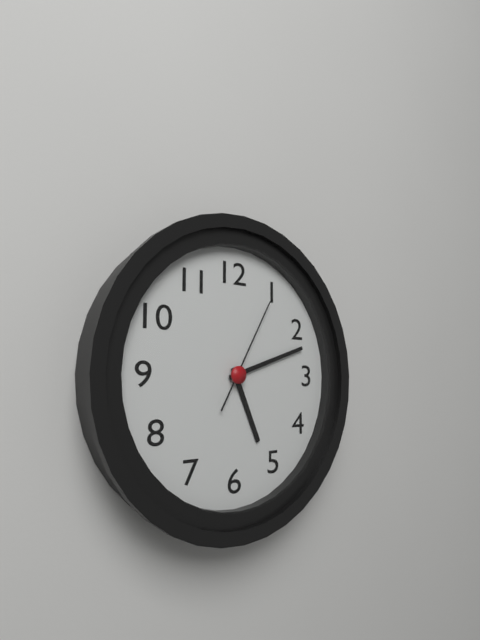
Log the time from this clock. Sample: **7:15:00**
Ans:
**5:12:05**
